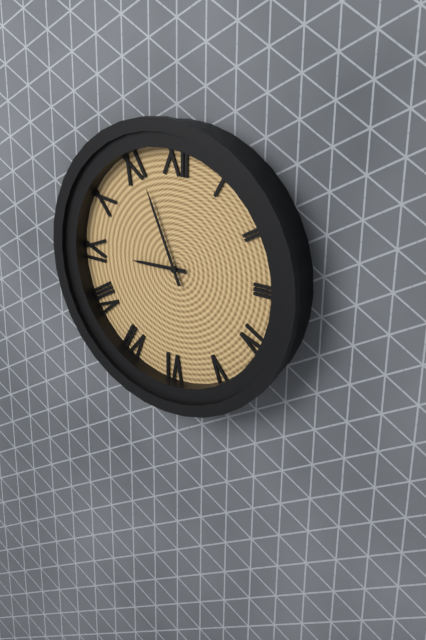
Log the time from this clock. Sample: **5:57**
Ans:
**8:56**
